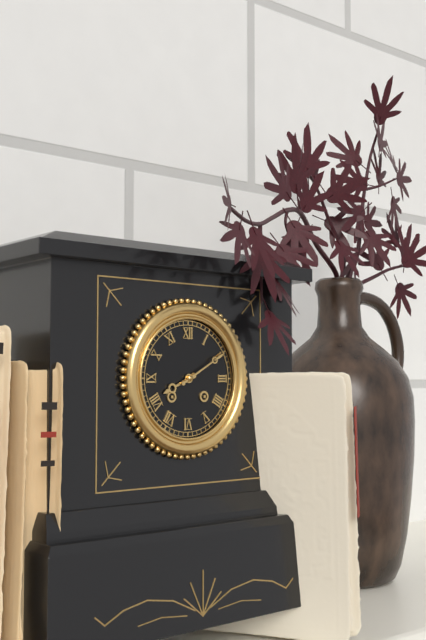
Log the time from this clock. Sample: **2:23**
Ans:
**8:10**
